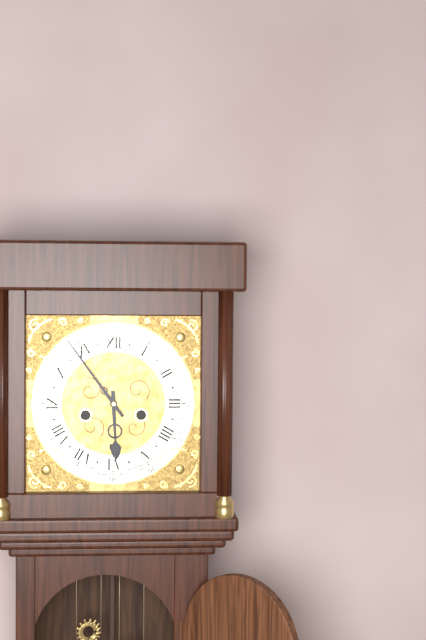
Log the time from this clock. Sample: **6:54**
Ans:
**5:54**
